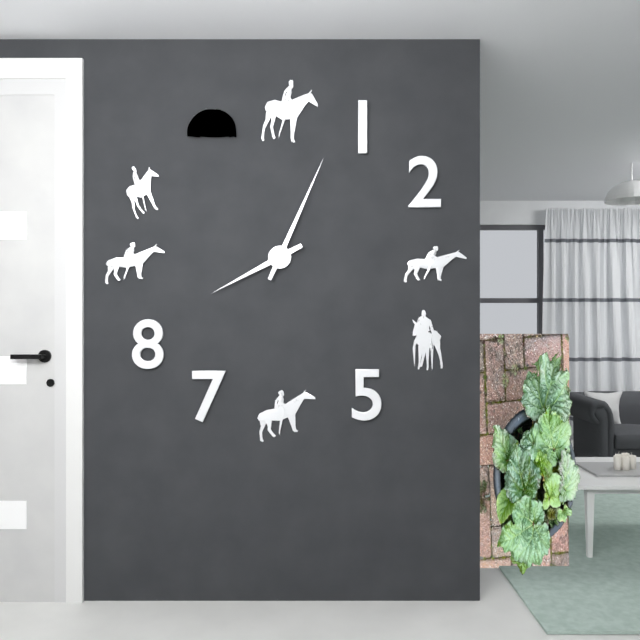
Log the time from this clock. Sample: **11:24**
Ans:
**8:04**
